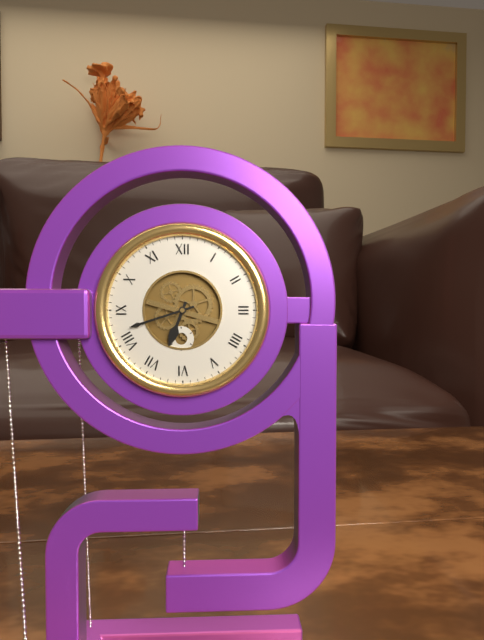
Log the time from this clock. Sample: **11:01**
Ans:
**6:42**
